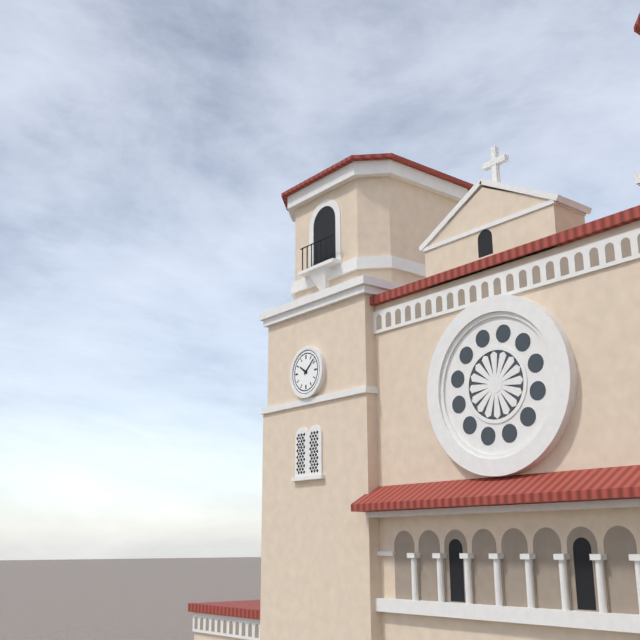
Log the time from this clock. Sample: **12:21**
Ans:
**10:08**
